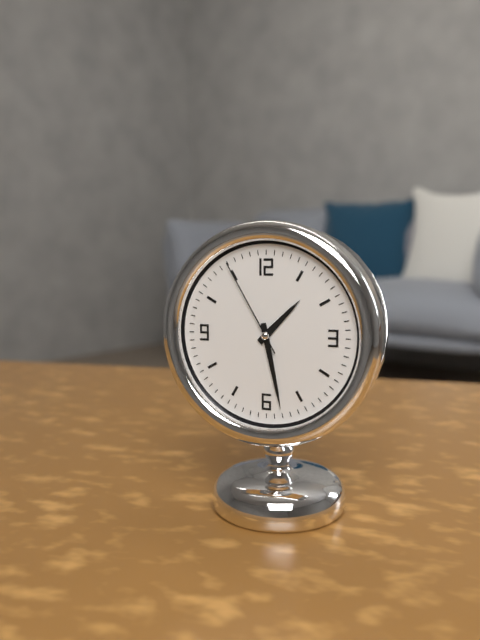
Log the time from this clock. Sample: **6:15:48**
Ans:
**1:28:55**
